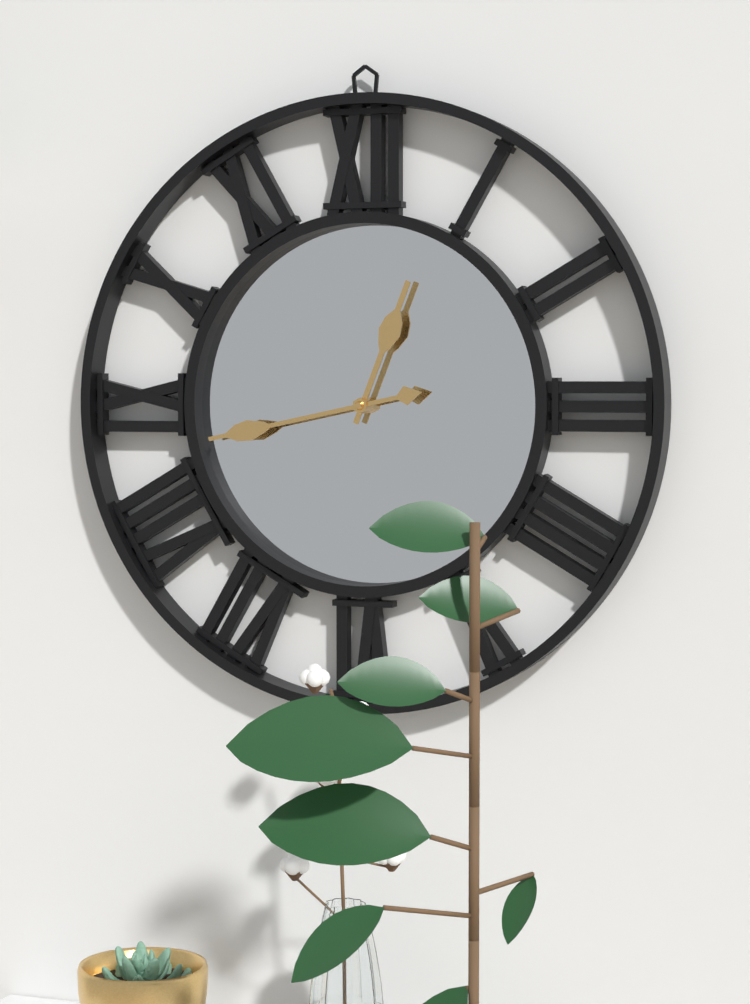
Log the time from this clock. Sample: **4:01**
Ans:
**12:43**
